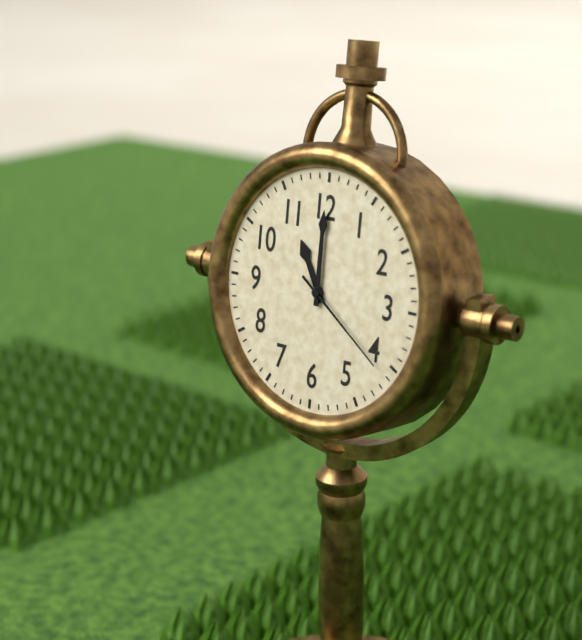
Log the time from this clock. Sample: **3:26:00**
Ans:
**11:00:21**
